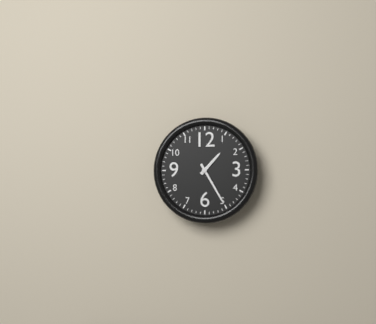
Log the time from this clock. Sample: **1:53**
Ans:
**1:25**
